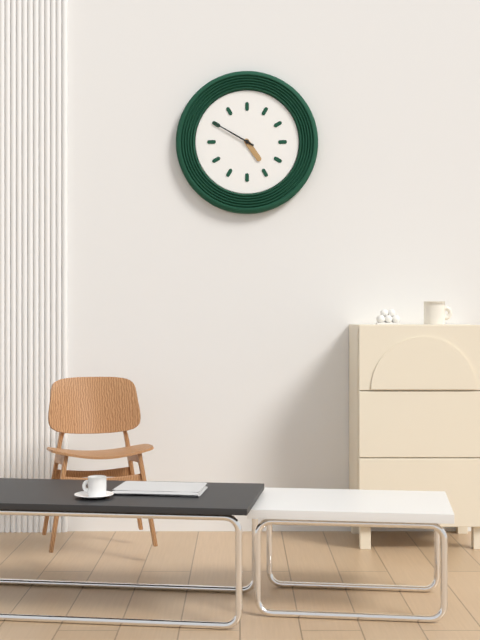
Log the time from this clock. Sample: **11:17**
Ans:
**4:50**
